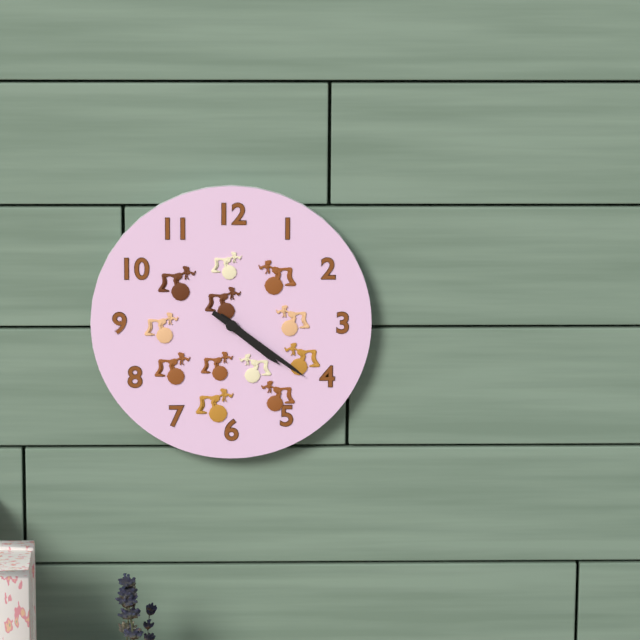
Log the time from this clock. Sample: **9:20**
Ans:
**4:21**
